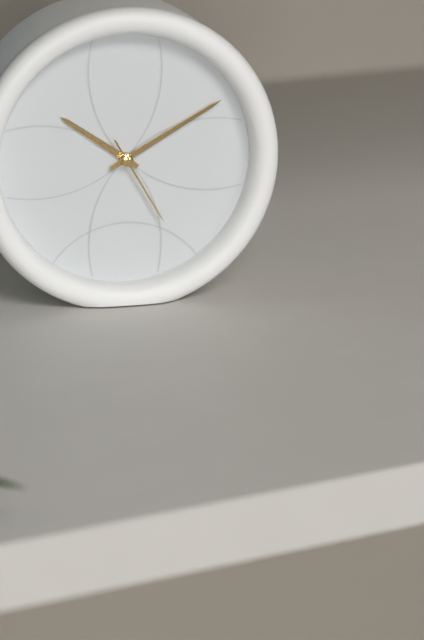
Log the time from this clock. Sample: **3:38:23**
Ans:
**10:10:25**
